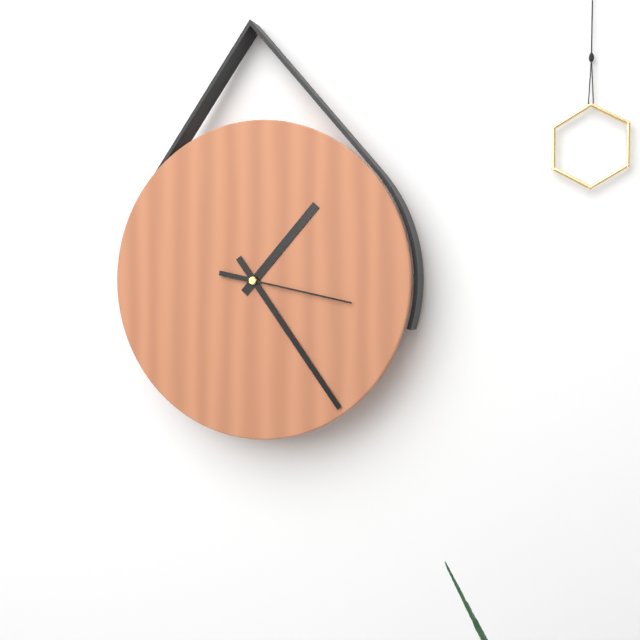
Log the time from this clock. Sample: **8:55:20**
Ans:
**1:24:17**
